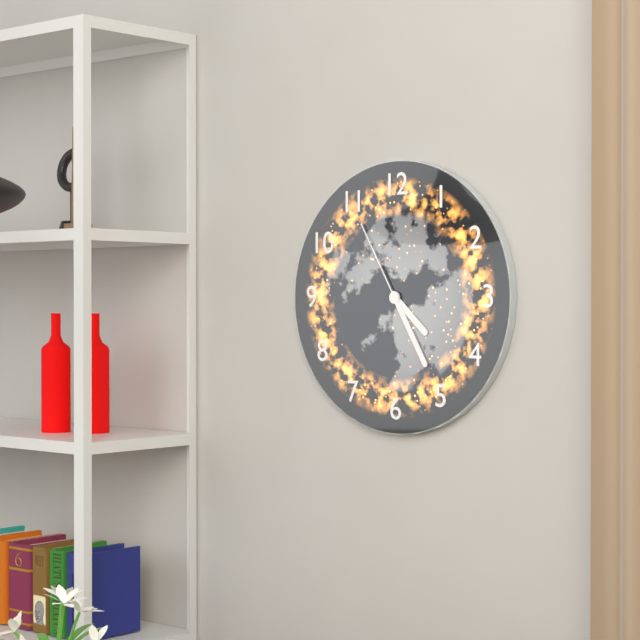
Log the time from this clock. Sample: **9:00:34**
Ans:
**4:25:55**
